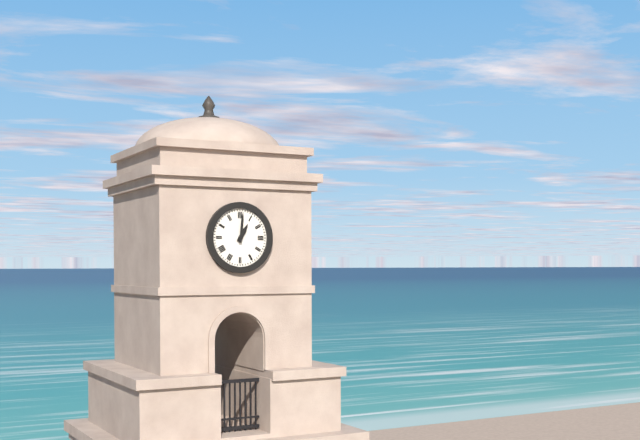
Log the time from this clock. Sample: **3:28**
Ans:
**1:01**
